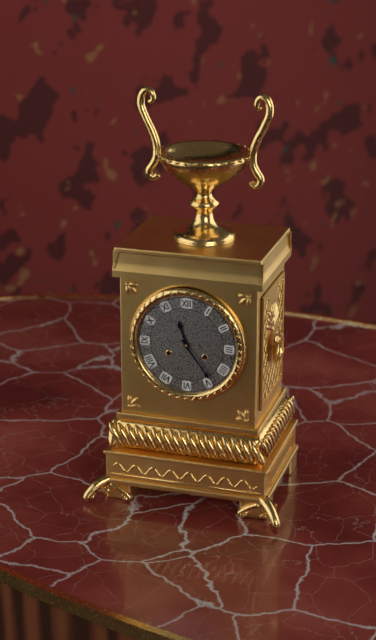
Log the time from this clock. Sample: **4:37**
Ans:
**11:24**
